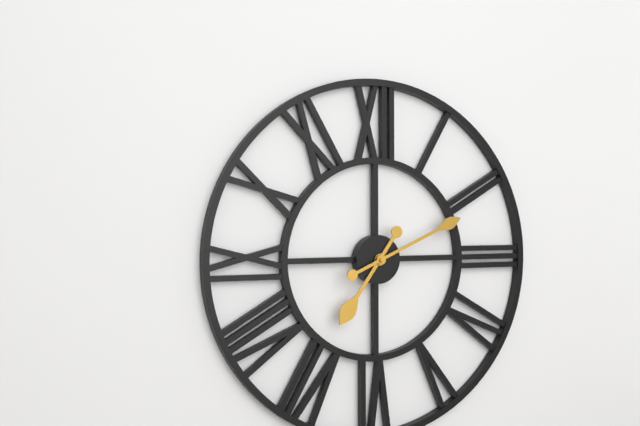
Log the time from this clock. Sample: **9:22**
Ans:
**7:11**
